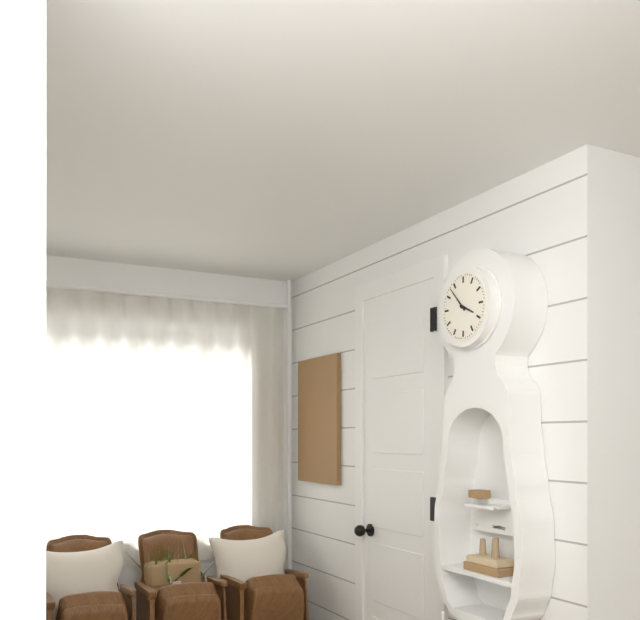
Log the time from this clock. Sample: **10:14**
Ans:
**3:53**
